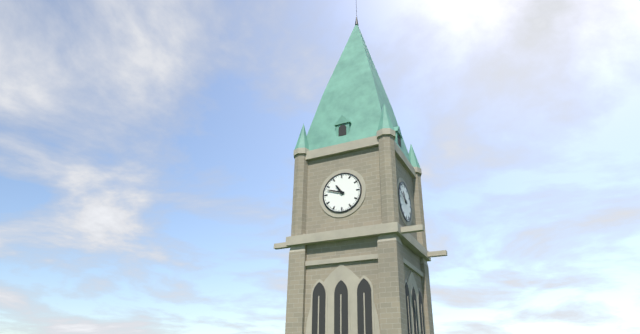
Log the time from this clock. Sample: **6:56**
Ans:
**10:48**
